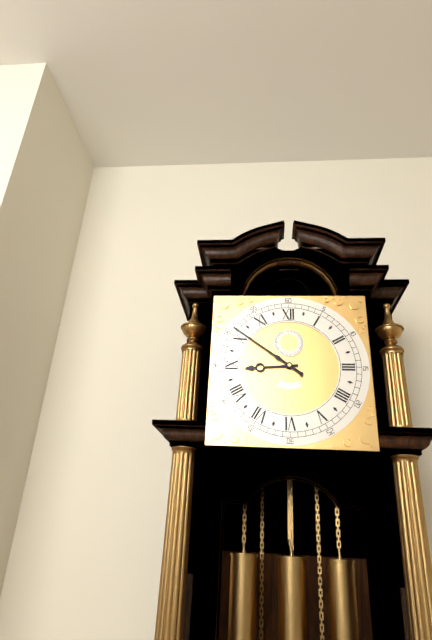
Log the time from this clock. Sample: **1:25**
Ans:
**8:51**
